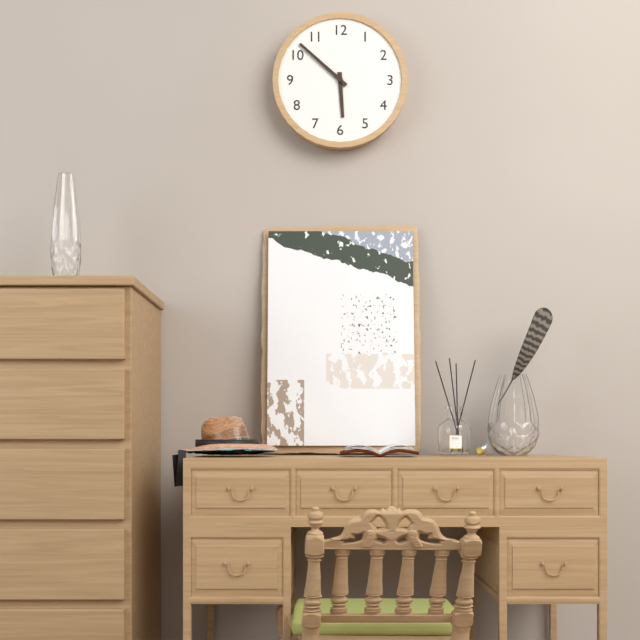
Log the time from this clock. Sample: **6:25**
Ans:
**5:52**
